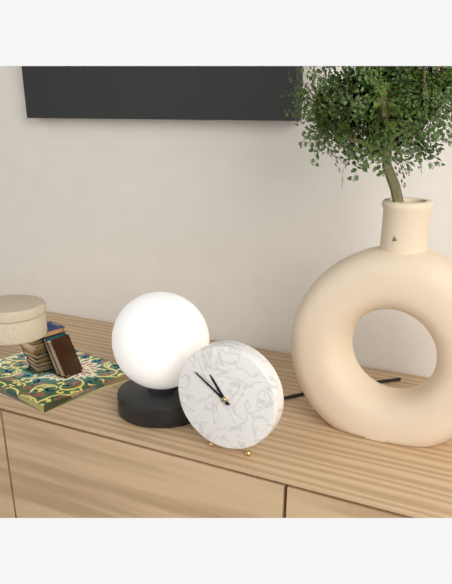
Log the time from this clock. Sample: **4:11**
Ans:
**10:51**
